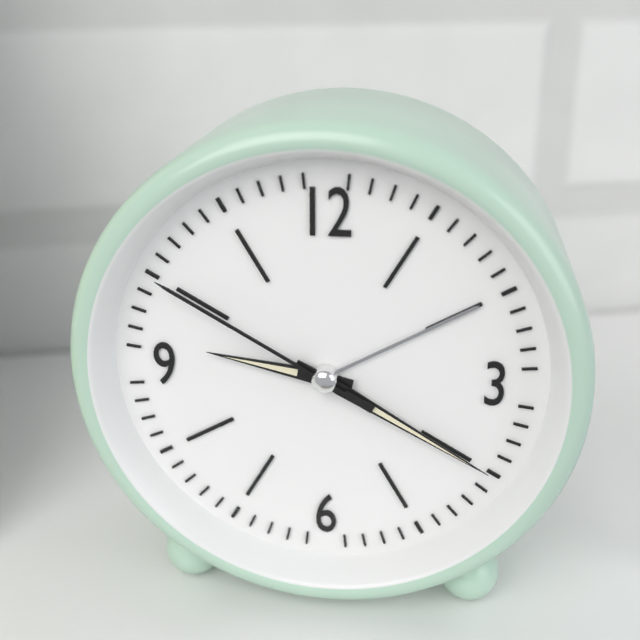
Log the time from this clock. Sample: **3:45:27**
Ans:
**9:20:50**
